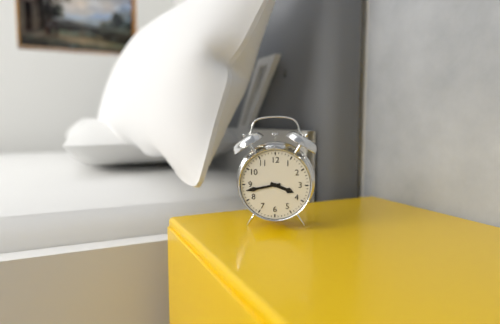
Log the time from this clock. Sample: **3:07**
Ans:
**3:43**
